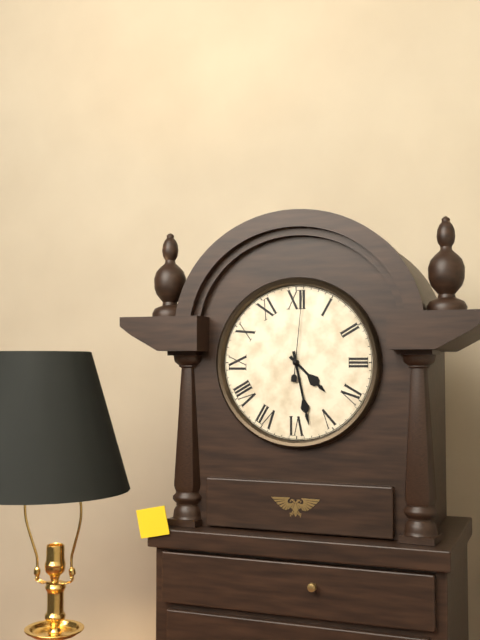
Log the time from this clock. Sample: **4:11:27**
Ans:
**4:28:01**
